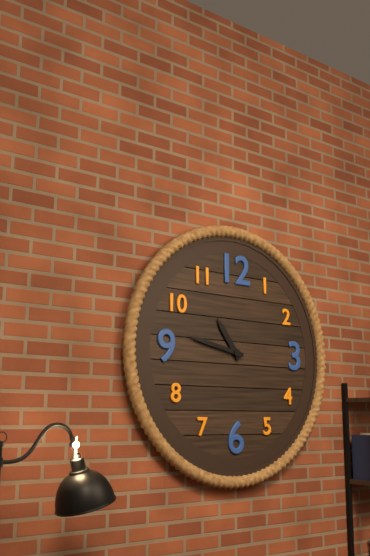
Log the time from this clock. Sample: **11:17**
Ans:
**10:47**
